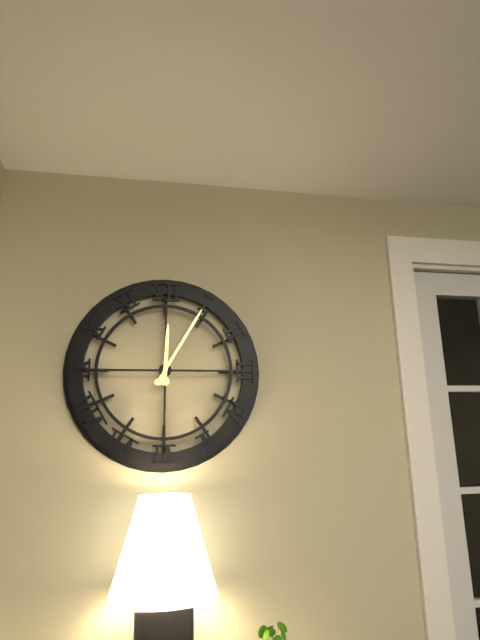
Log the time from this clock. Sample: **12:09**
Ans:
**12:05**
